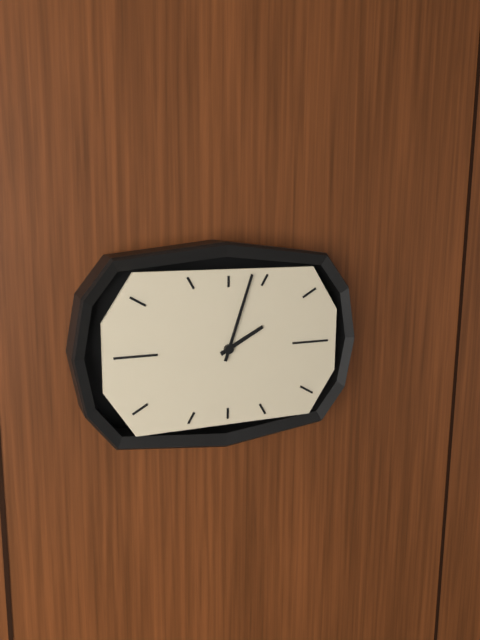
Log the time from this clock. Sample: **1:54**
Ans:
**2:03**
